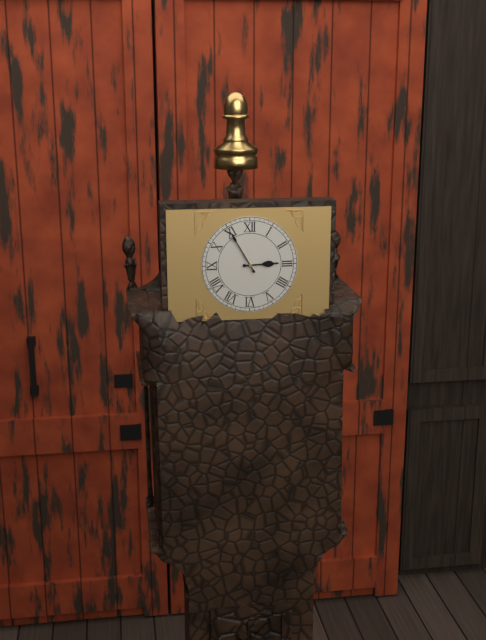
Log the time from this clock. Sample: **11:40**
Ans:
**2:55**
